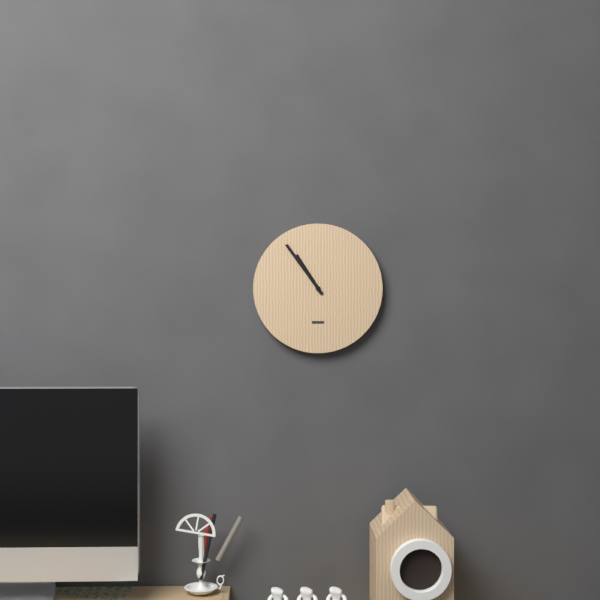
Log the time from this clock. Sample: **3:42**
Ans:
**10:54**
